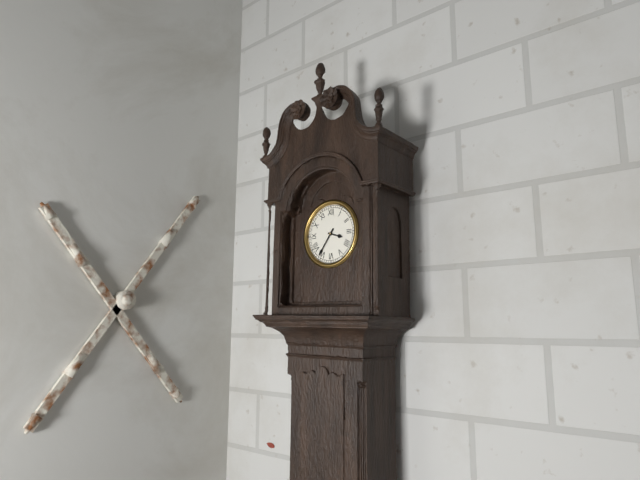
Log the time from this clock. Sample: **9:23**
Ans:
**3:36**
